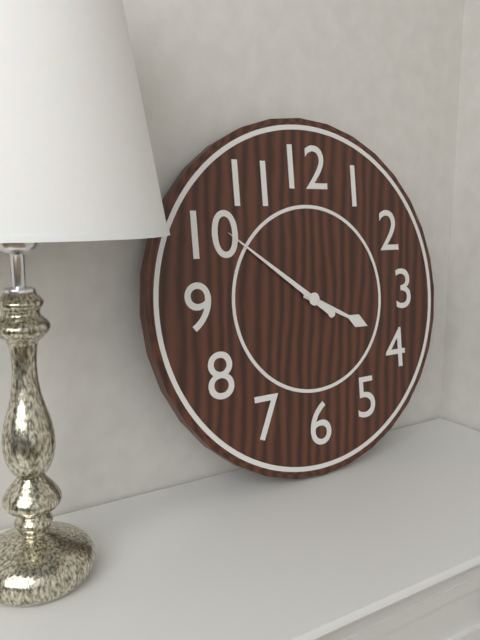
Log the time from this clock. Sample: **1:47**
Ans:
**3:51**
